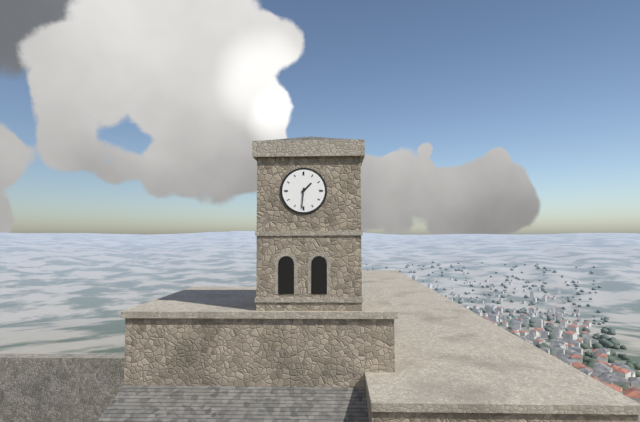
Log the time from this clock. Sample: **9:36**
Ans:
**1:31**
